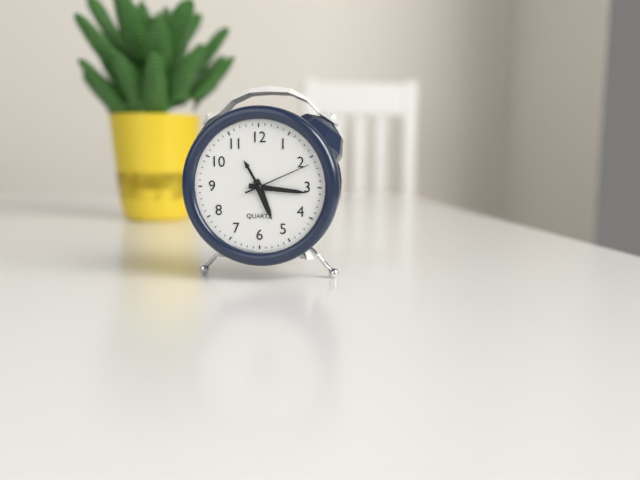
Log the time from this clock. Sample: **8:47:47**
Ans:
**5:16:11**
